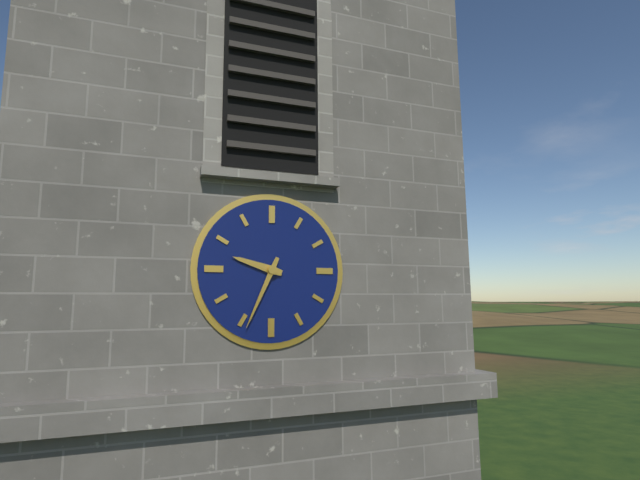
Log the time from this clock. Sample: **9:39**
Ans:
**9:34**
